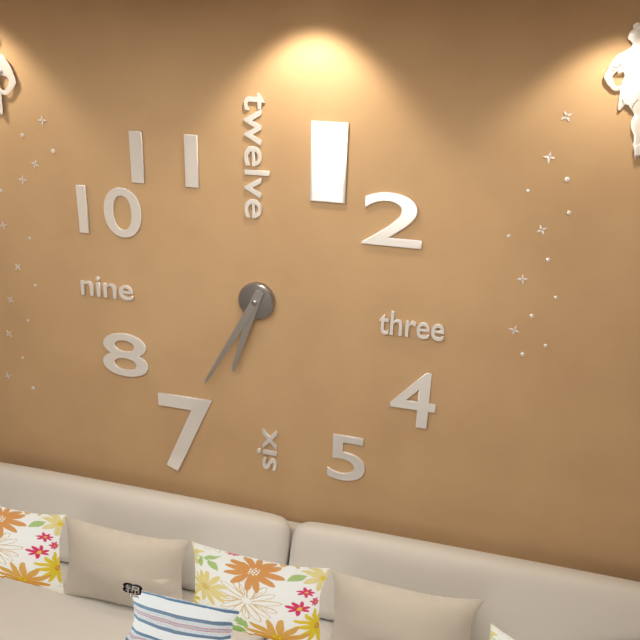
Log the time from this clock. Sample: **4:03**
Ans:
**6:35**
